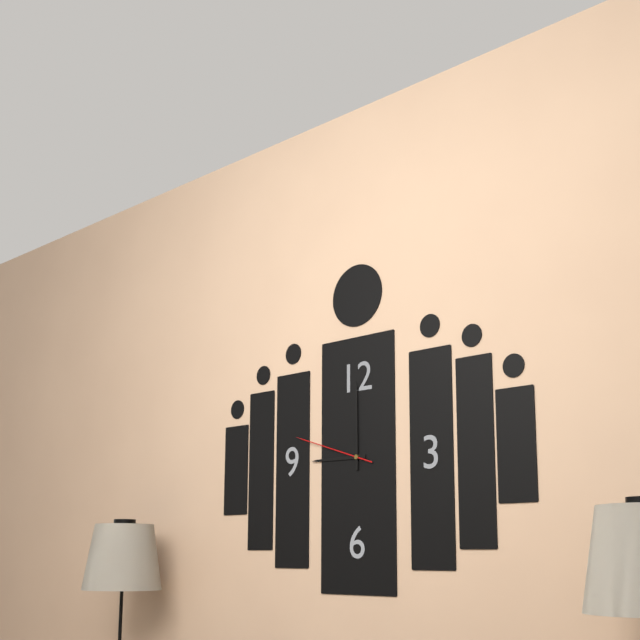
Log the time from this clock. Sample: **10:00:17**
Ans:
**9:00:48**
